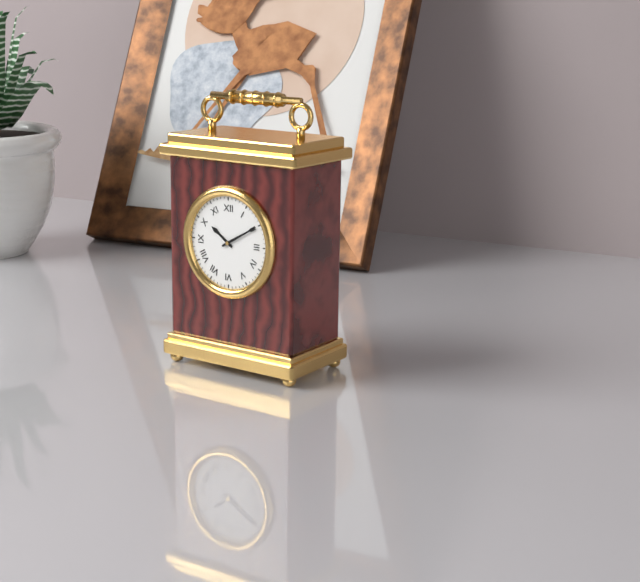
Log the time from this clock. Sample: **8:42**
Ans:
**10:10**
